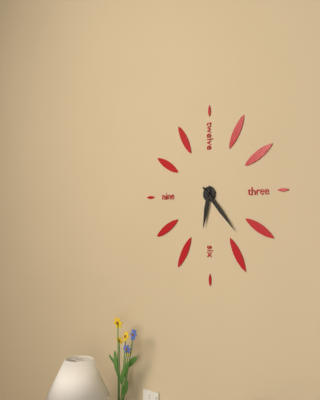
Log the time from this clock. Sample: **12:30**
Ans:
**6:23**
